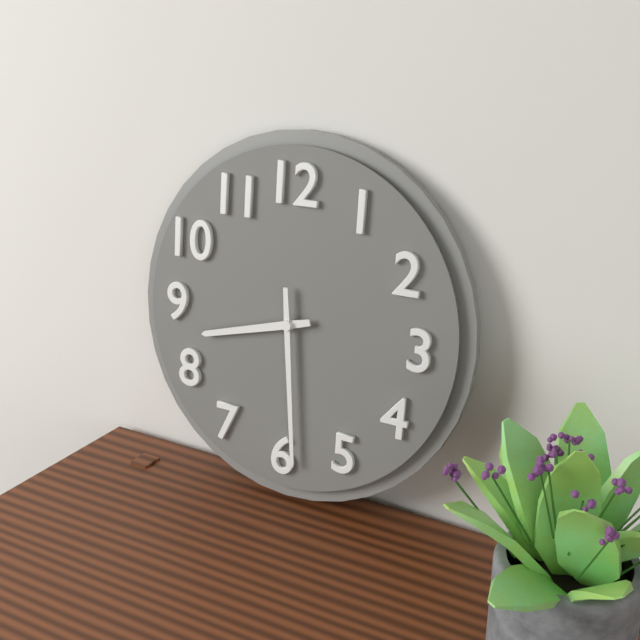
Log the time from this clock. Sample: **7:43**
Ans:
**8:29**
